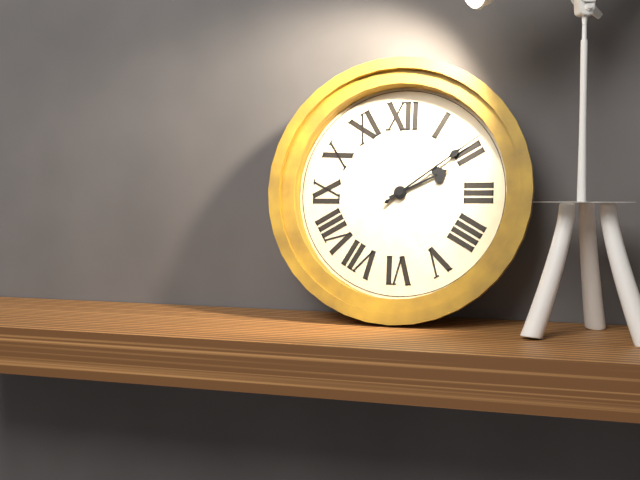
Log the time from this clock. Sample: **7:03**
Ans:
**2:09**
